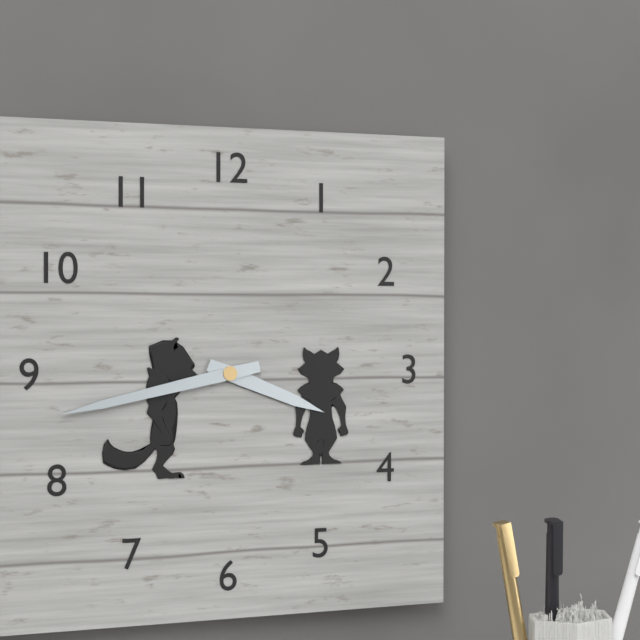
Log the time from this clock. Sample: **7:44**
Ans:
**3:43**
